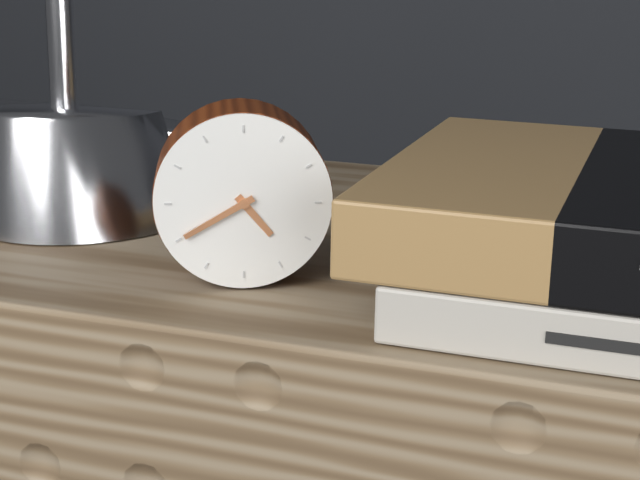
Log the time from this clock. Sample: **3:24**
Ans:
**4:40**
